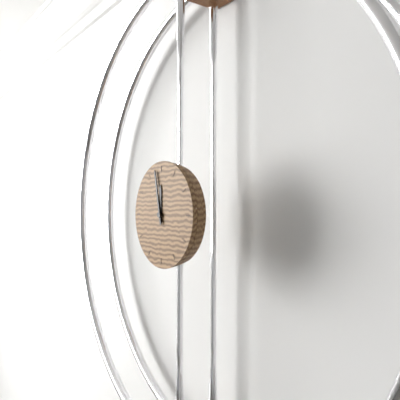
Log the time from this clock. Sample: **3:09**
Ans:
**11:58**
